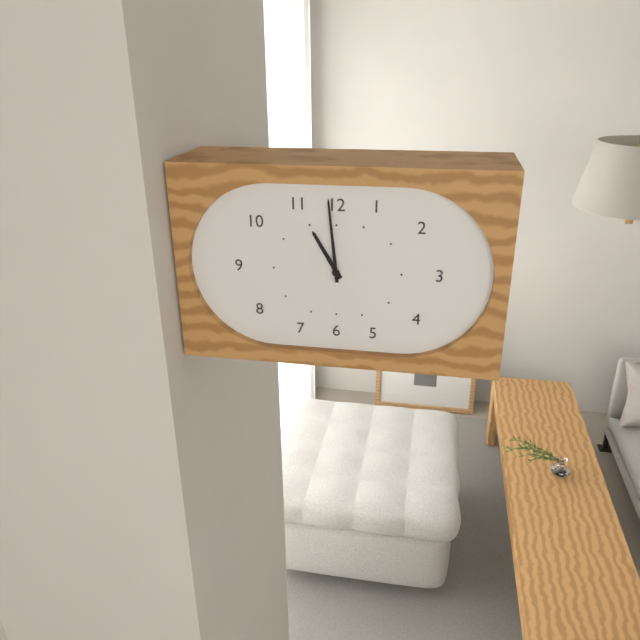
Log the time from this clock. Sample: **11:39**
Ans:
**10:59**
